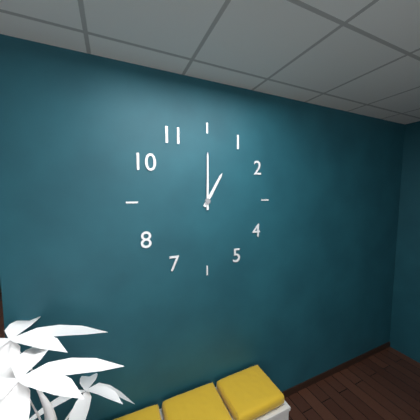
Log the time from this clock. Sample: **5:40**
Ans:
**1:00**
